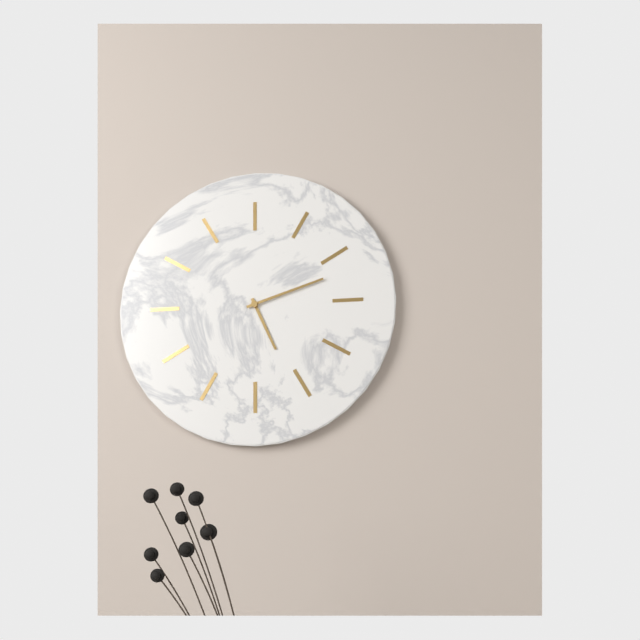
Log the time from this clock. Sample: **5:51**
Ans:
**5:12**
